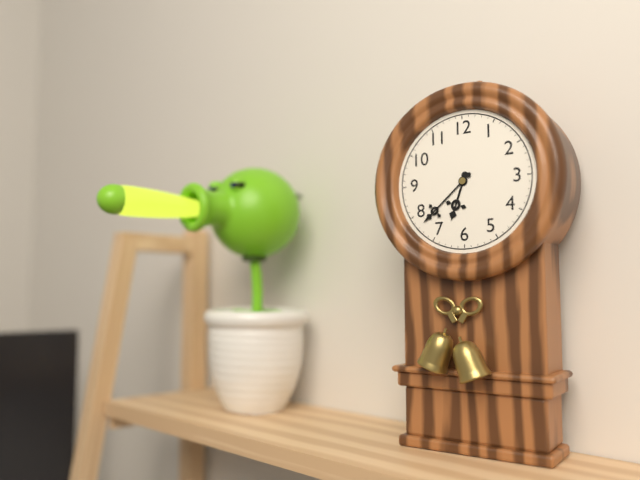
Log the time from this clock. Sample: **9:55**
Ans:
**6:38**
